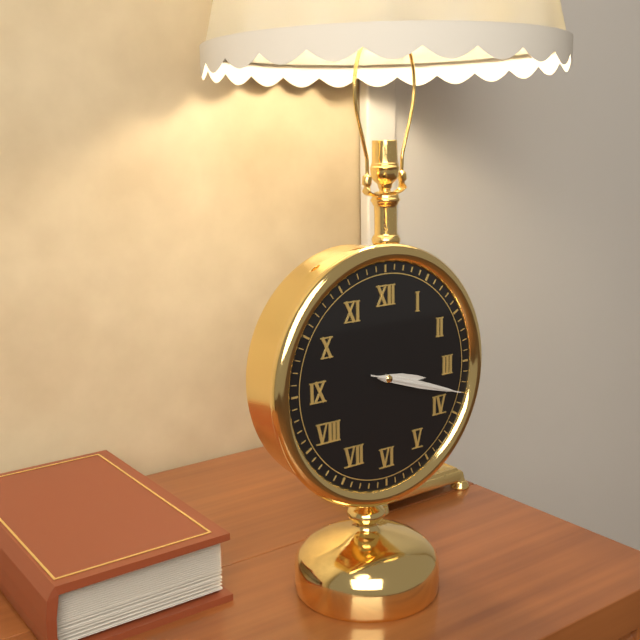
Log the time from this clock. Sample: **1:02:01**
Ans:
**3:18:18**
